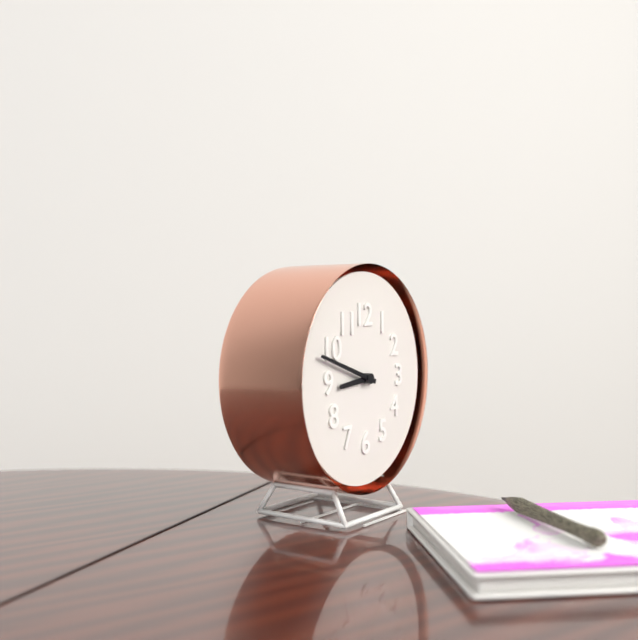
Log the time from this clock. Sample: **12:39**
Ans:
**8:48**
